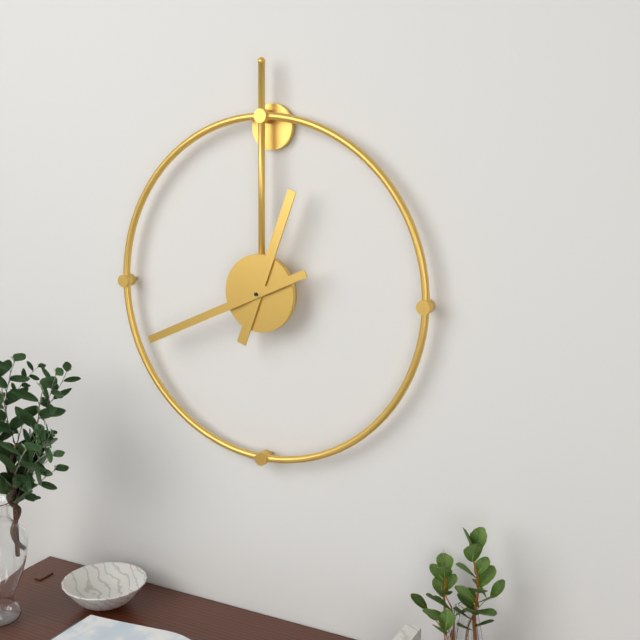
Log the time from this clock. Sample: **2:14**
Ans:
**12:41**
